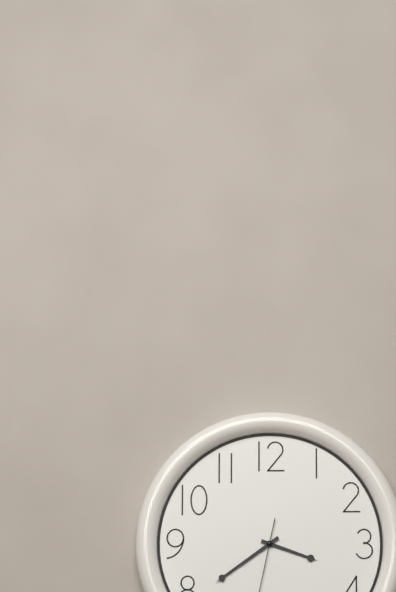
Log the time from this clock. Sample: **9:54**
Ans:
**3:39**
